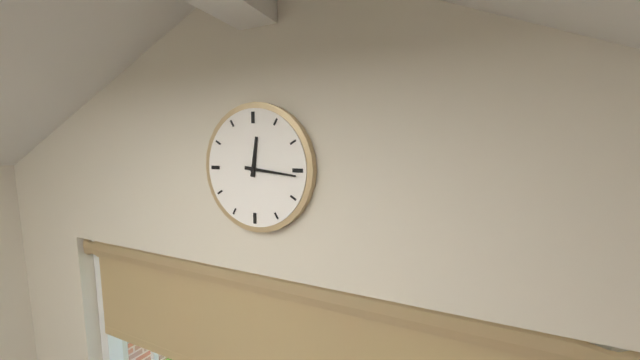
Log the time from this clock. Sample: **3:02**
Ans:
**12:16**
